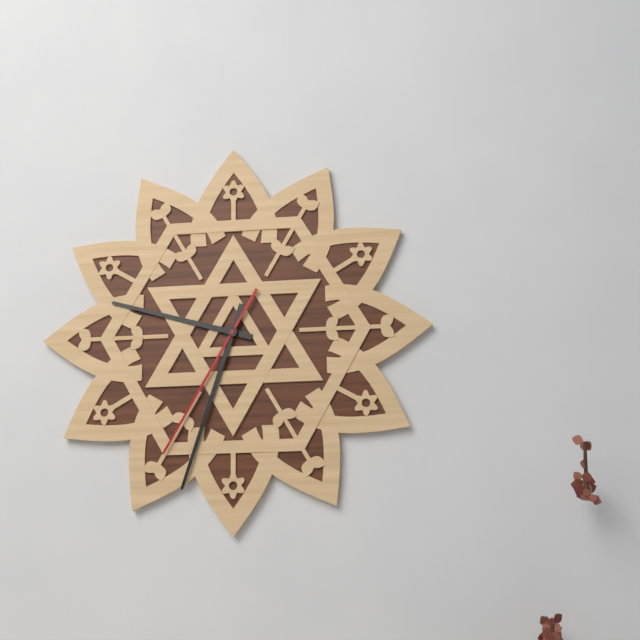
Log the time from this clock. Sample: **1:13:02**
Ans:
**9:33:35**
